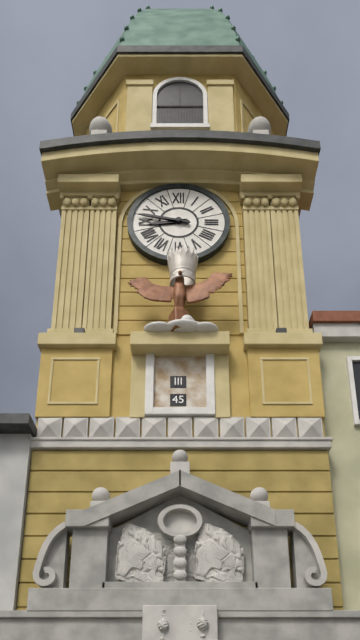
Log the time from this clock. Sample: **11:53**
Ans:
**8:47**
